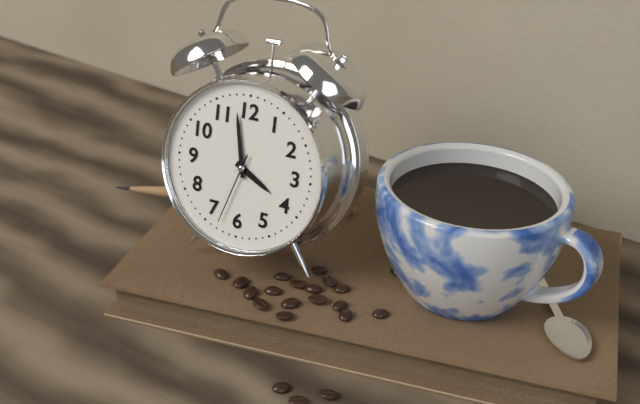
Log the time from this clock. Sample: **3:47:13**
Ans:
**3:58:33**
